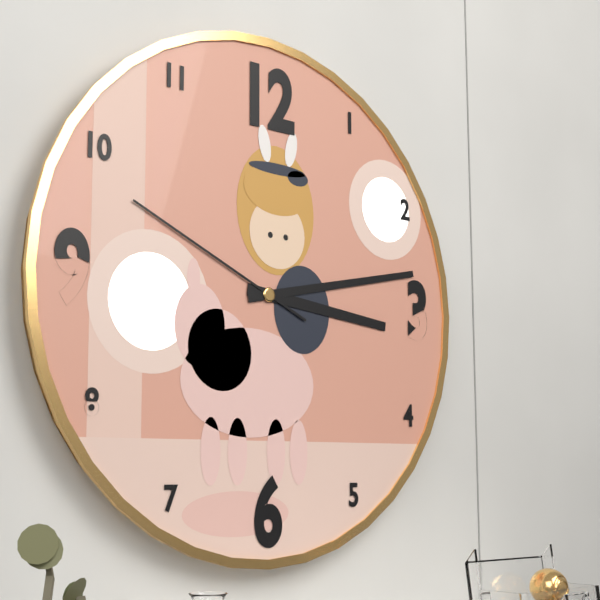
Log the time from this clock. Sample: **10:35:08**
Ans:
**3:13:49**
